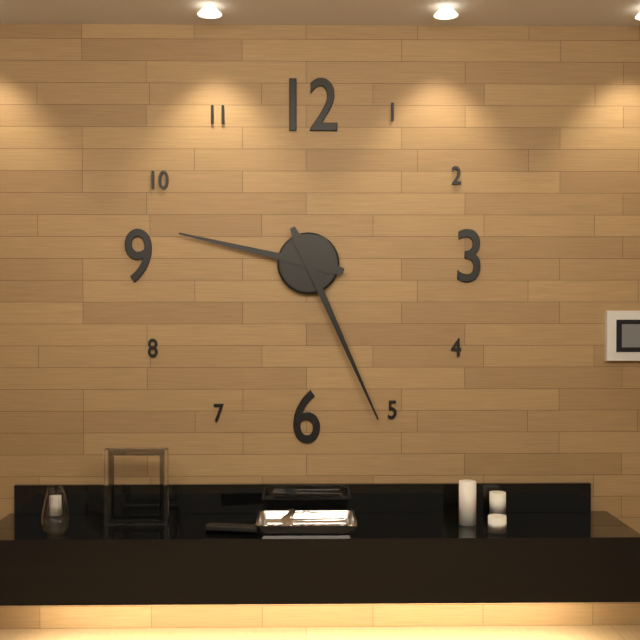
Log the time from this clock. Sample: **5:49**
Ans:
**9:26**
